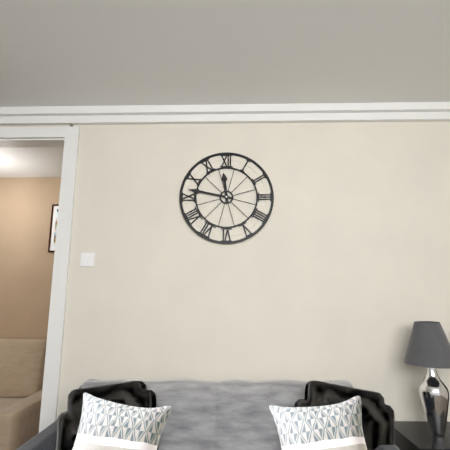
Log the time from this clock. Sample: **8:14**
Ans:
**11:47**
